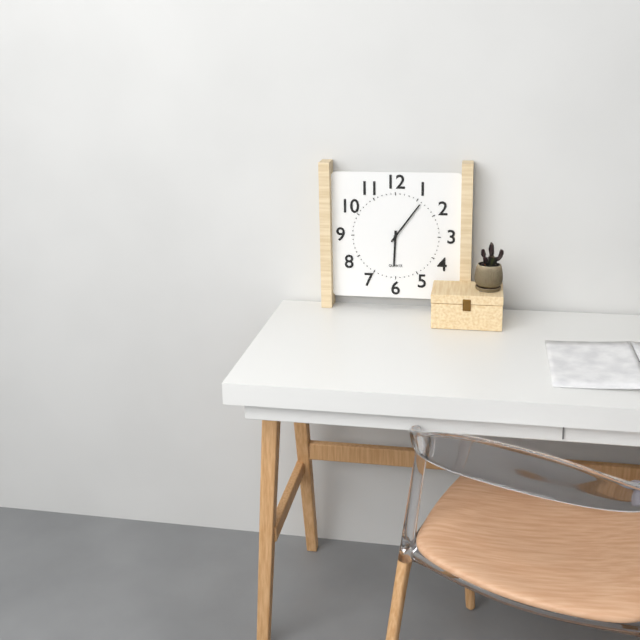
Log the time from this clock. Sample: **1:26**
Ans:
**6:06**
